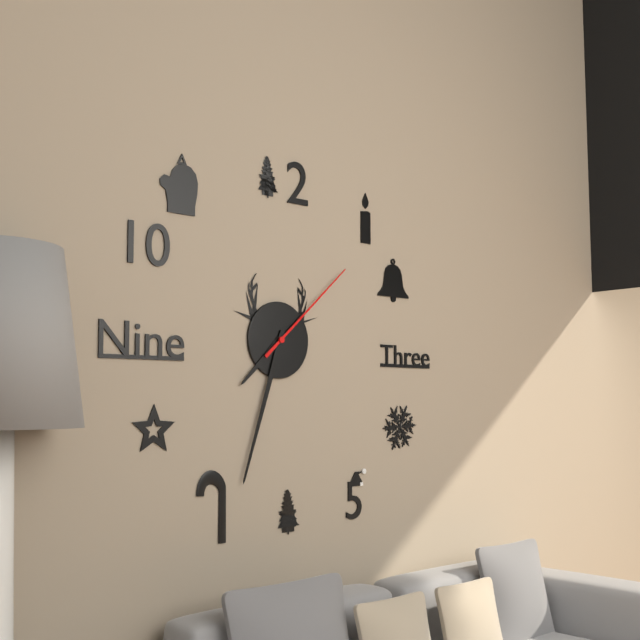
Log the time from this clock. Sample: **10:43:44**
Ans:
**7:33:08**
